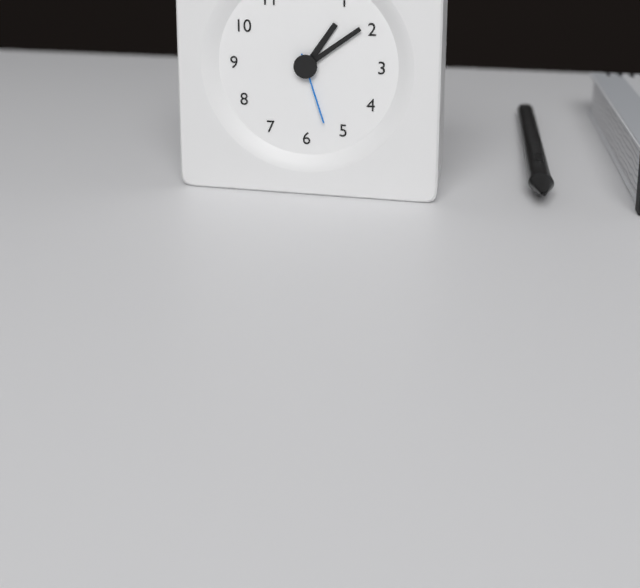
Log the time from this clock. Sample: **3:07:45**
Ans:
**1:09:27**
